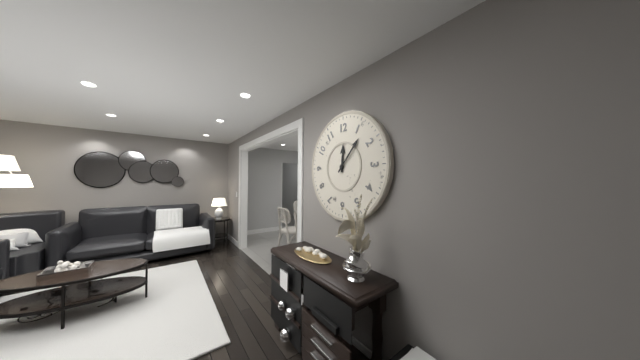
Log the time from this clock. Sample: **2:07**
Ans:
**12:07**
